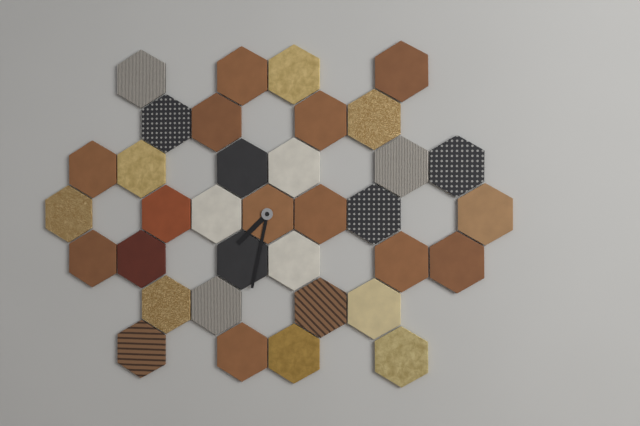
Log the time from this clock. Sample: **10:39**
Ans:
**7:32**
